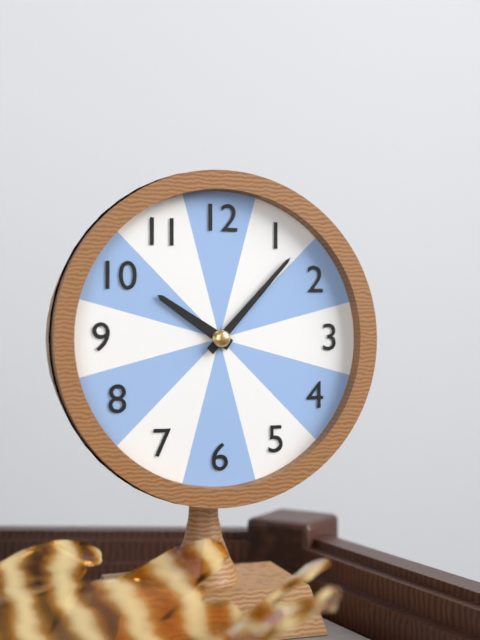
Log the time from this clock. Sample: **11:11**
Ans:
**10:07**
